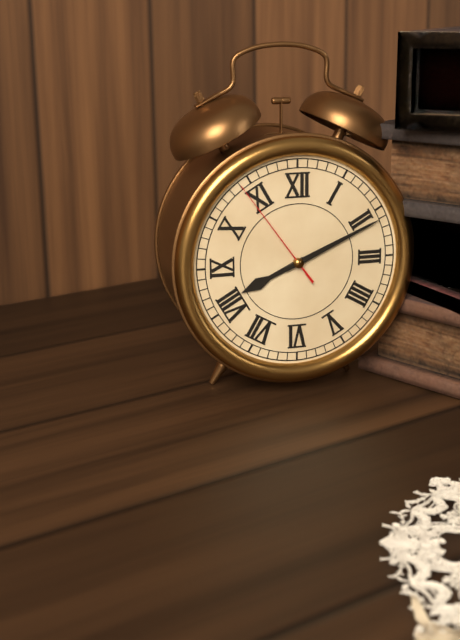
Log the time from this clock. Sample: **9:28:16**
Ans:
**8:11:54**
